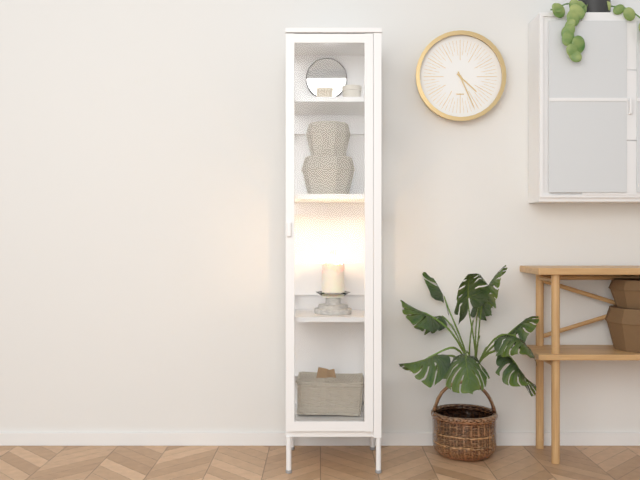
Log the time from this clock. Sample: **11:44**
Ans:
**4:26**
